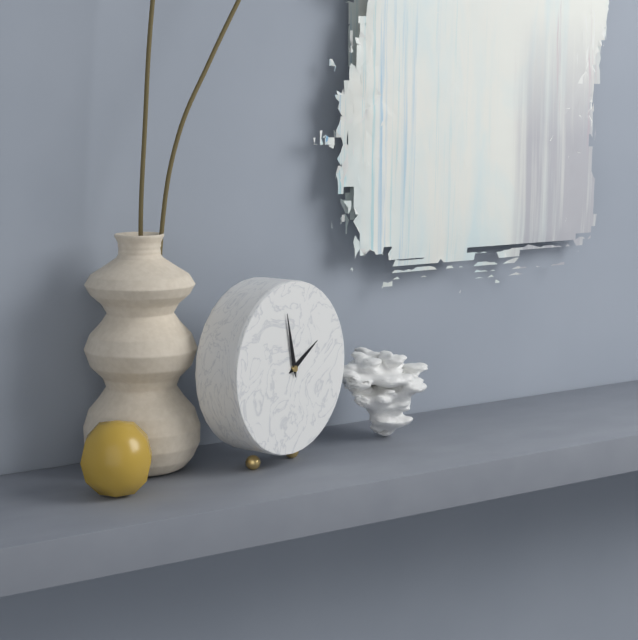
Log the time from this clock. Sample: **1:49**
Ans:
**1:58**
